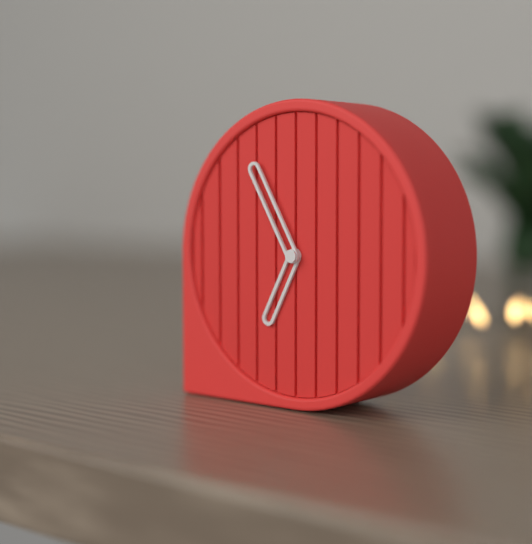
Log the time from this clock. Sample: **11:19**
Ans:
**6:55**
